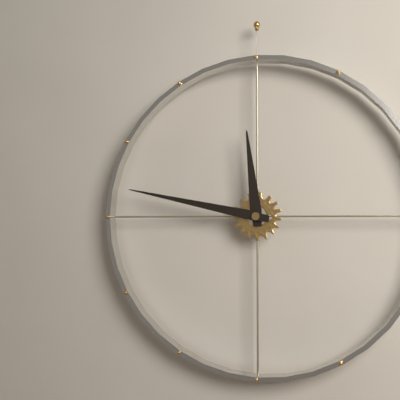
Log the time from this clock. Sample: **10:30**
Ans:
**11:47**
